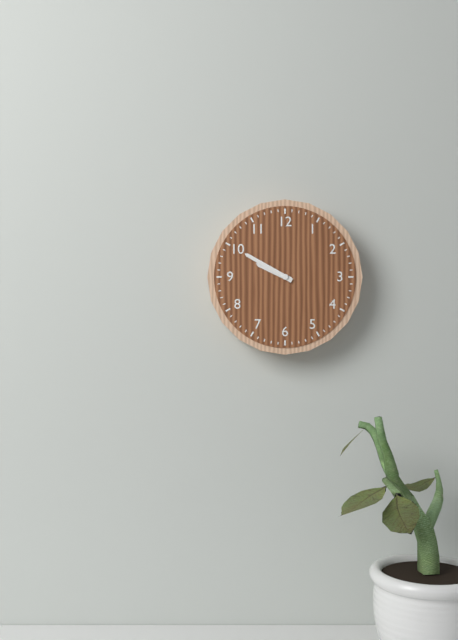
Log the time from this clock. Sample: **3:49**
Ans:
**9:50**
